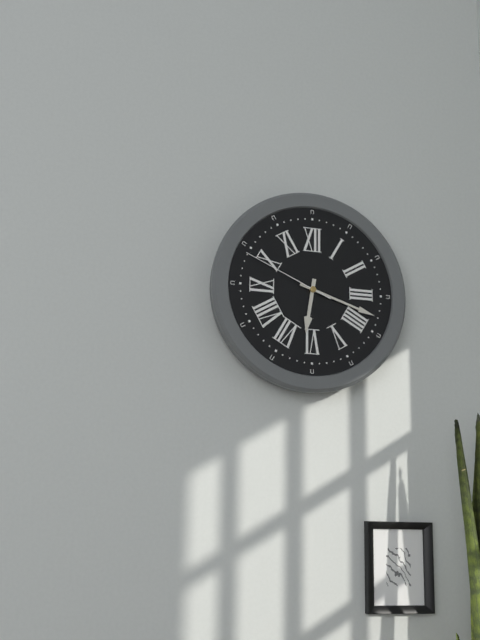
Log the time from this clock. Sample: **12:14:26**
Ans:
**6:18:49**
